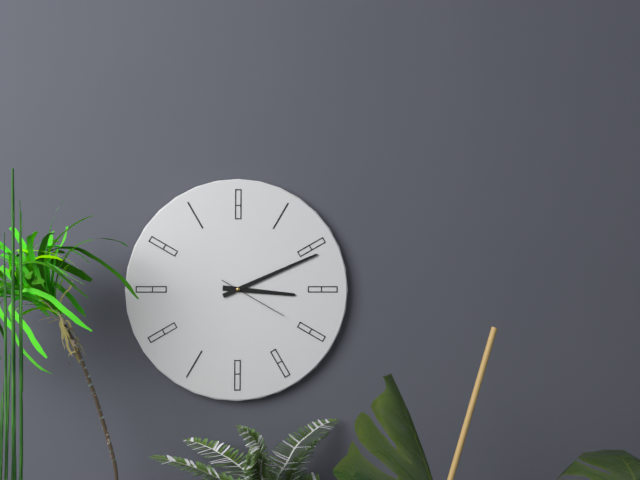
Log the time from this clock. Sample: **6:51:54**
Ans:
**3:11:20**
